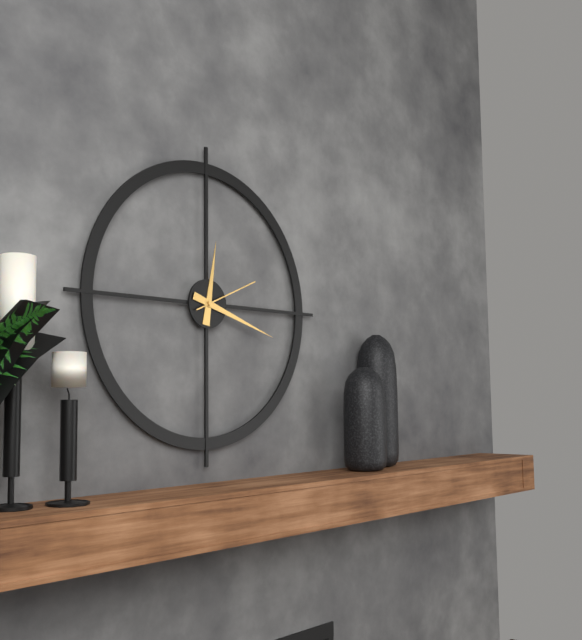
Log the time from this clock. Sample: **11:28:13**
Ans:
**12:18:11**
